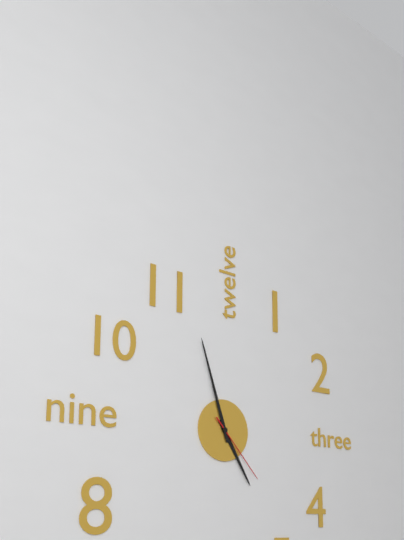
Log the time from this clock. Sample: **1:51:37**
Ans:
**4:57:23**
